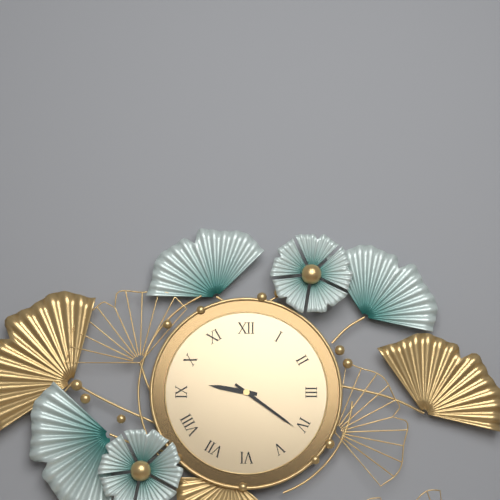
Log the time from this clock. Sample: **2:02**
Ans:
**9:21**
